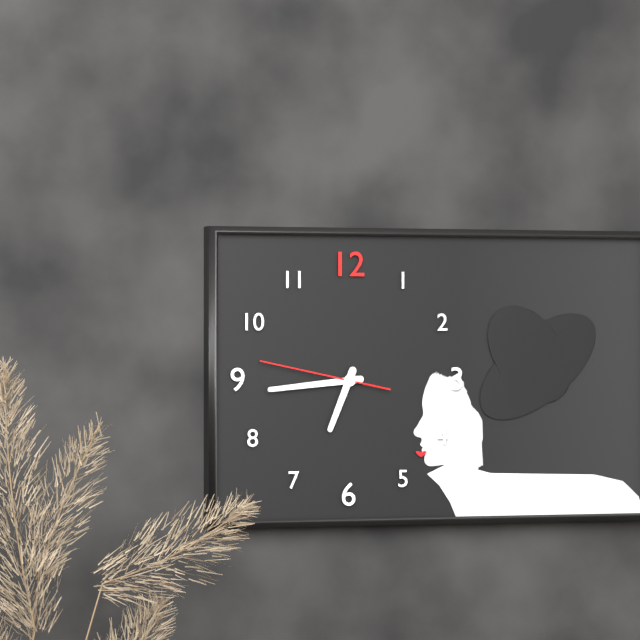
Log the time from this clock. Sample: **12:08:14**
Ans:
**6:44:47**
